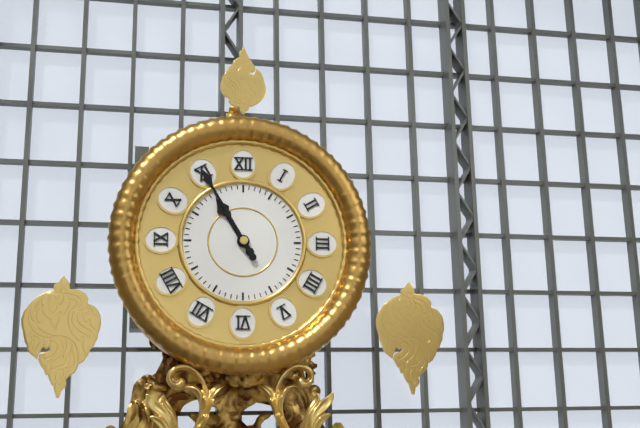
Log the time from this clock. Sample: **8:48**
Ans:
**10:55**
